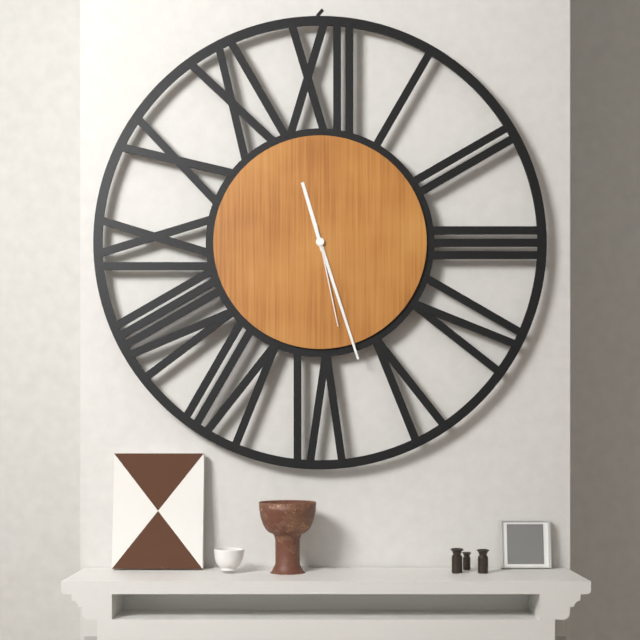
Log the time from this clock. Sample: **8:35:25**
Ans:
**11:27:28**
